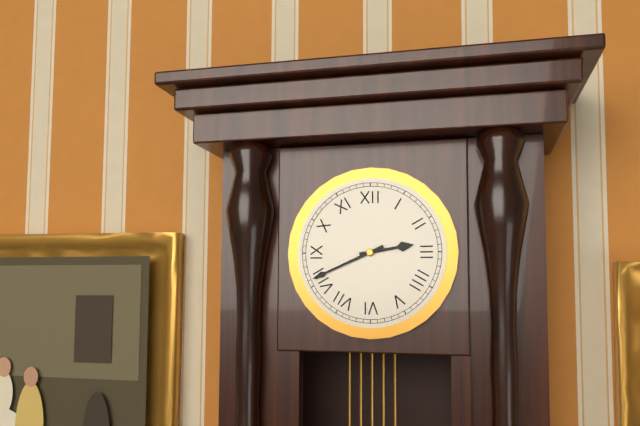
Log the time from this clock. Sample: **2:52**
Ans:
**2:41**
